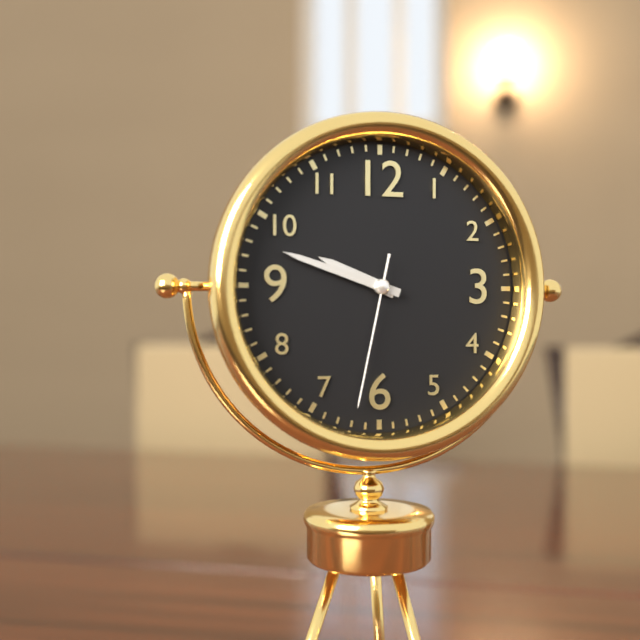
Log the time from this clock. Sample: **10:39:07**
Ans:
**9:48:32**
